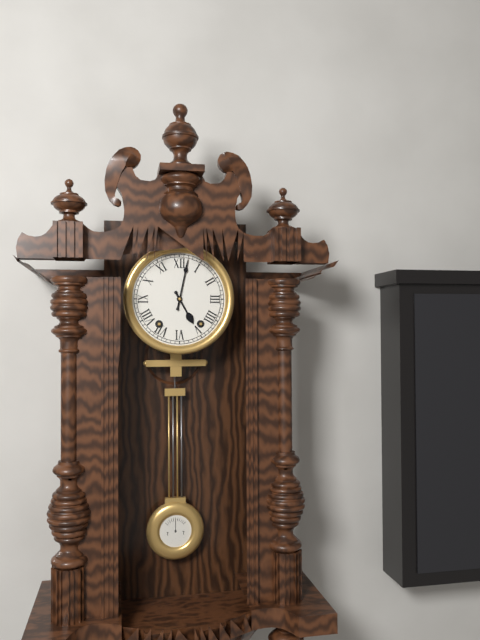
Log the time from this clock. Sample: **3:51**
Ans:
**5:02**
